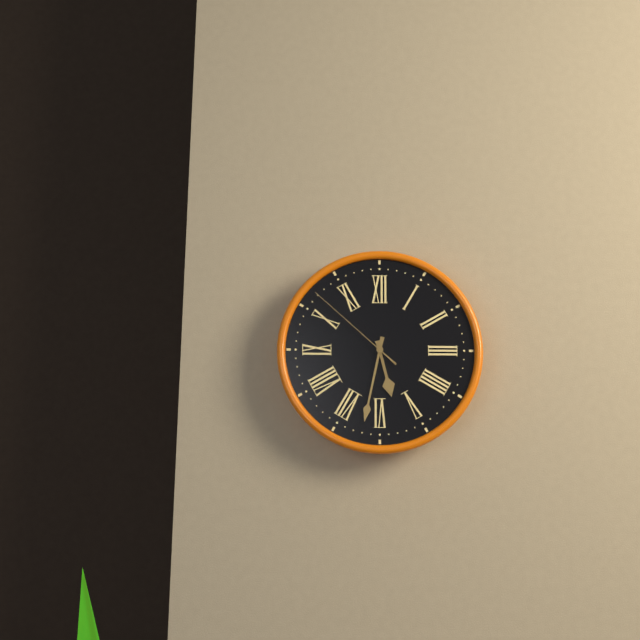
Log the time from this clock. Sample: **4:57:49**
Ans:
**5:32:52**
